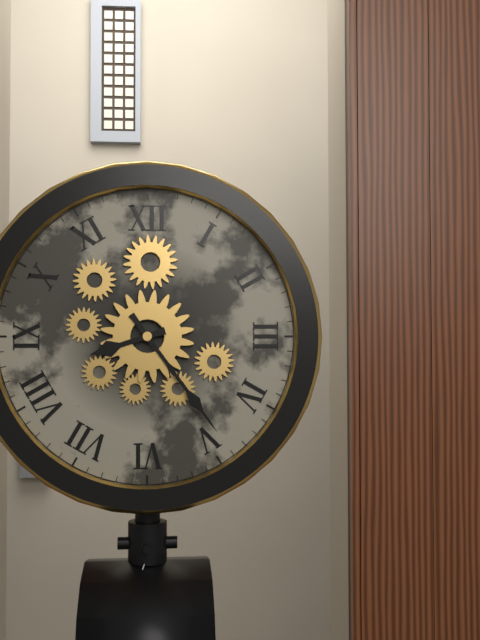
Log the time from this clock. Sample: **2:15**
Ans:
**8:24**
